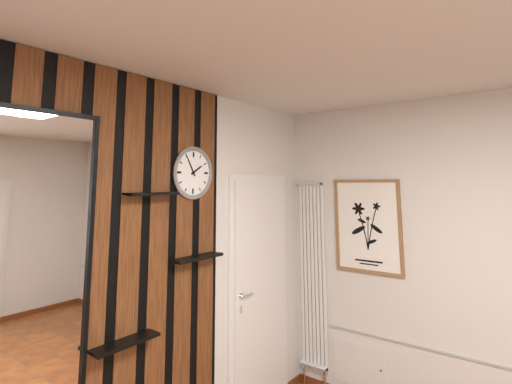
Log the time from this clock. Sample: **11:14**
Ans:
**1:55**
